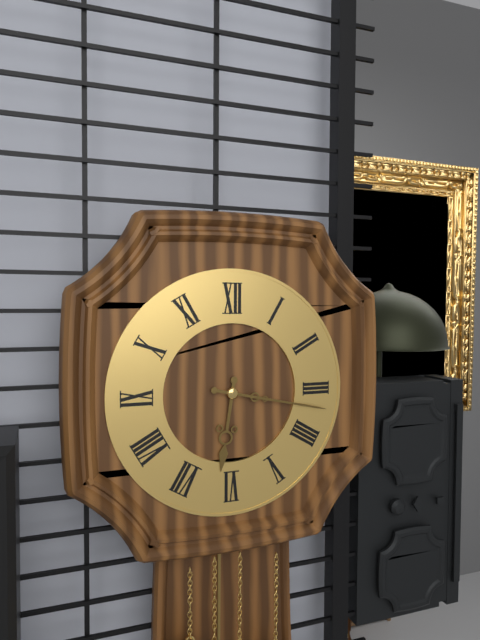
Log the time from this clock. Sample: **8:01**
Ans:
**6:17**
